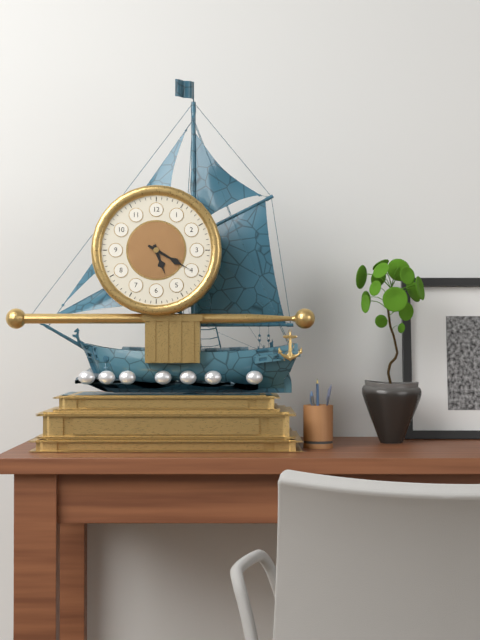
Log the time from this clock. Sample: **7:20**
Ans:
**5:20**
